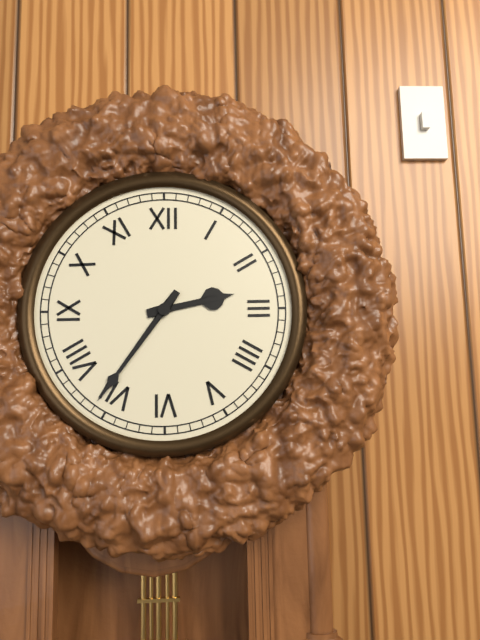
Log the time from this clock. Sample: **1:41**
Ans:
**2:36**
